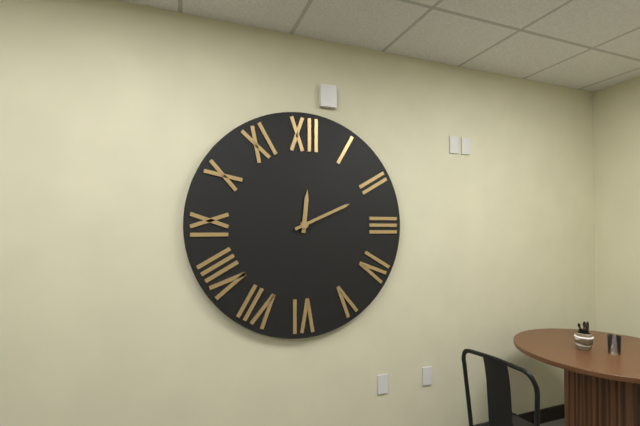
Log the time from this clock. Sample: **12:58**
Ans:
**12:11**
